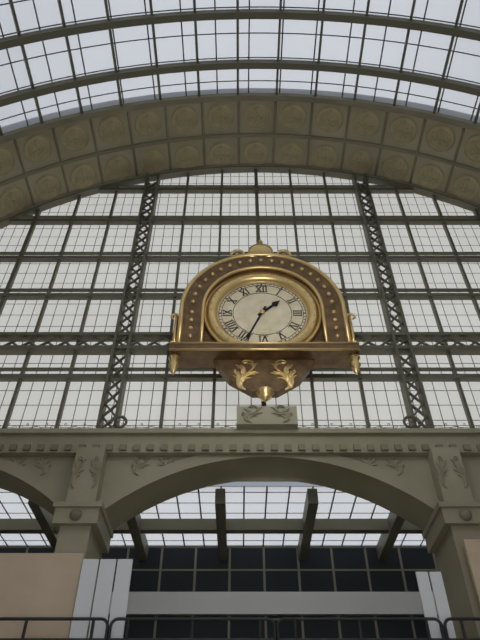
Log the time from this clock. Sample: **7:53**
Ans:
**1:34**
